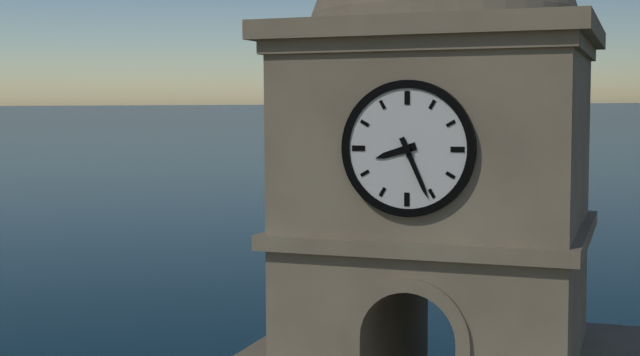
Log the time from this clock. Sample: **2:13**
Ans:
**8:26**
